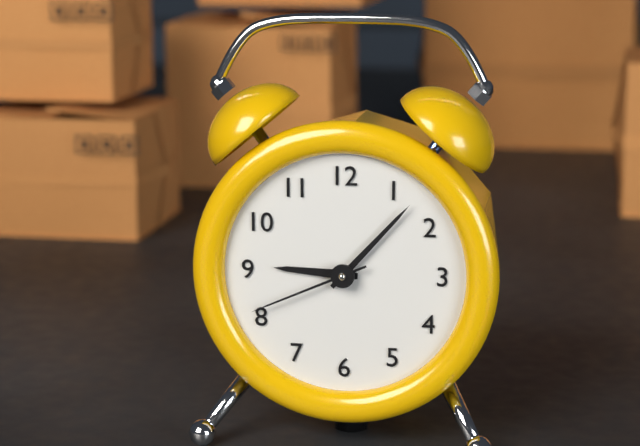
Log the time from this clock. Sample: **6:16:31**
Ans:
**9:07:41**
